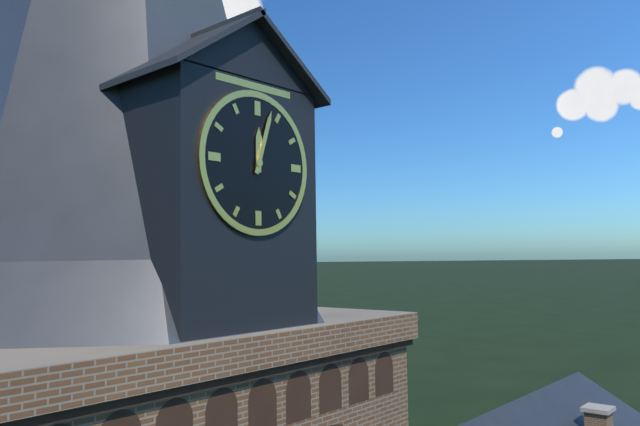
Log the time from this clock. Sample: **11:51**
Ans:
**12:03**
